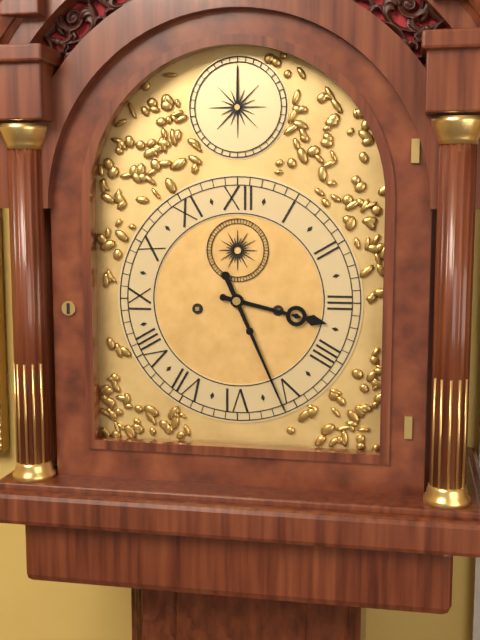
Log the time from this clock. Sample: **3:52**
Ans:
**3:26**
